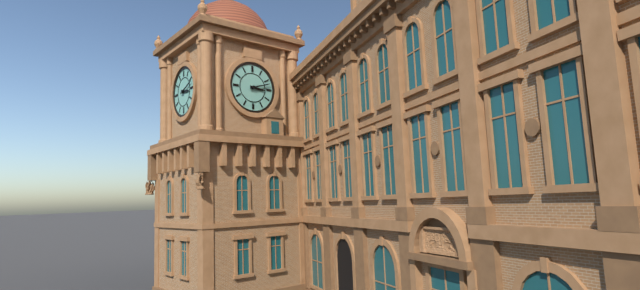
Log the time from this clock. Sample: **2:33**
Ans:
**3:12**
